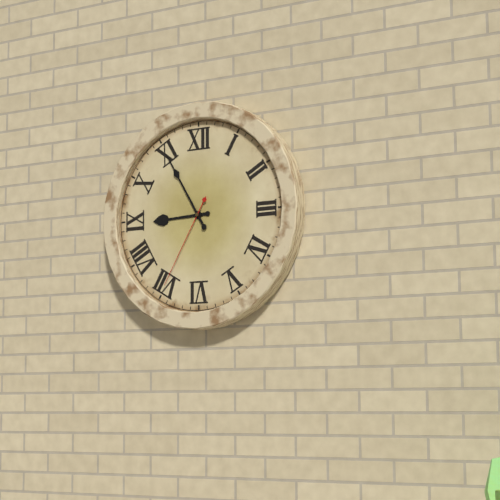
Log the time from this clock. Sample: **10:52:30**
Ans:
**8:55:35**
